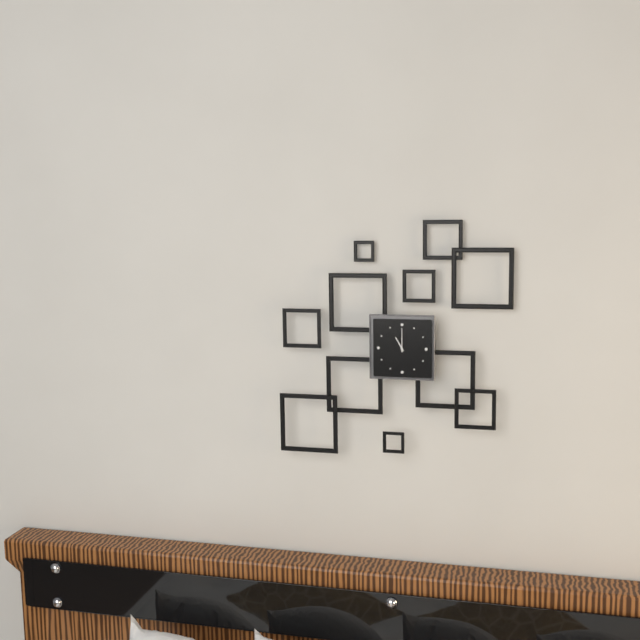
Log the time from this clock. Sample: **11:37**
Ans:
**11:00**
